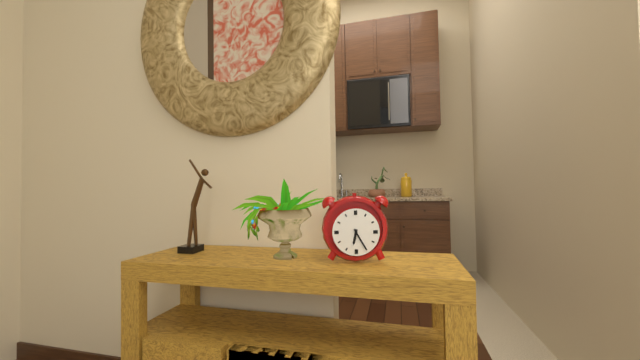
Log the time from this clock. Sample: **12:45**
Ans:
**6:25**
